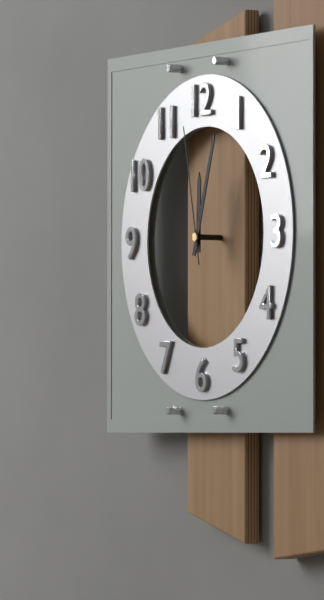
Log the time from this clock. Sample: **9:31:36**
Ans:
**12:03:58**
